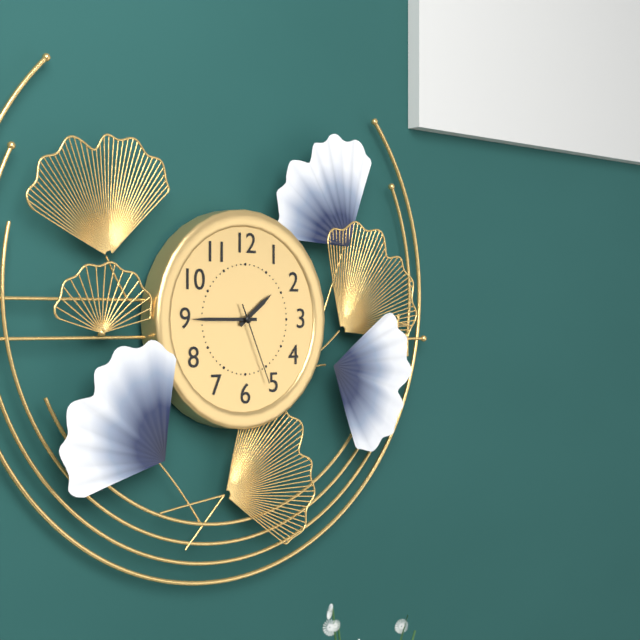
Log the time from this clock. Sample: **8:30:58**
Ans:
**1:45:26**
